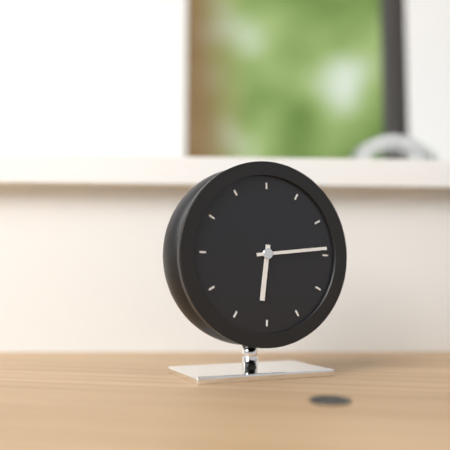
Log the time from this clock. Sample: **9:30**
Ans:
**6:14**
